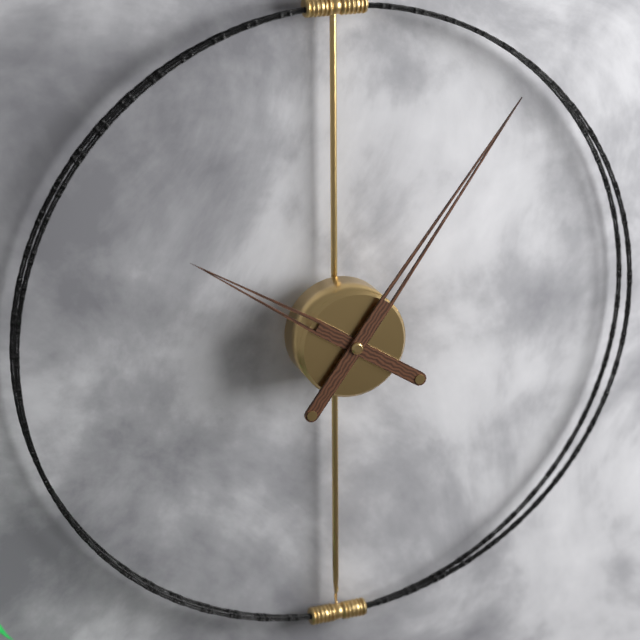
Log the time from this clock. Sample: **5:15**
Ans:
**10:06**
